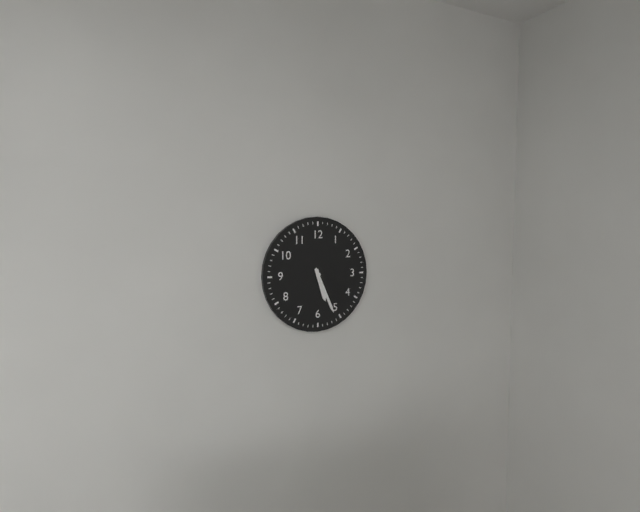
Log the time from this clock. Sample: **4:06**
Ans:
**5:26**
